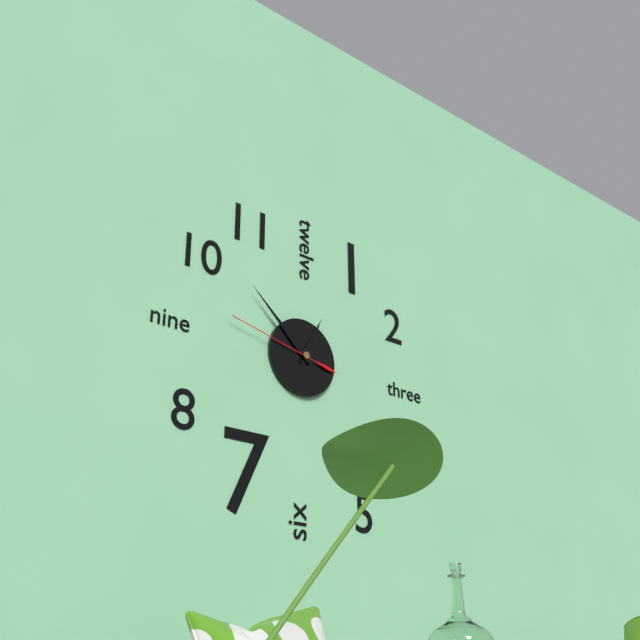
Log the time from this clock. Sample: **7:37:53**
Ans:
**12:52:47**
